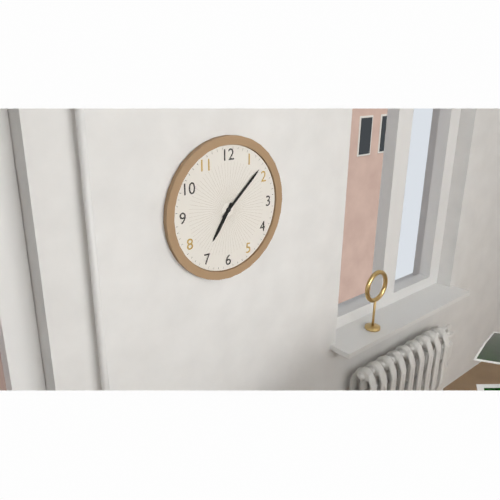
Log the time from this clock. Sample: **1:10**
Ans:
**7:08**
